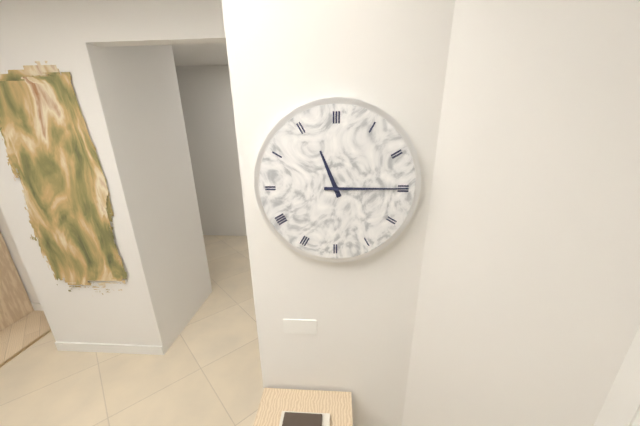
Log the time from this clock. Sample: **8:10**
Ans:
**11:15**
